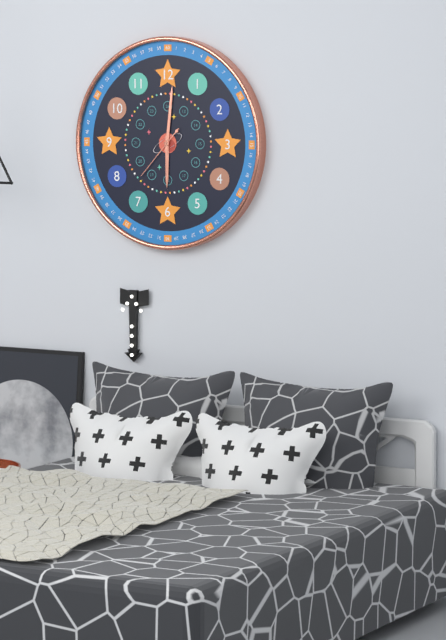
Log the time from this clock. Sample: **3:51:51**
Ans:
**6:01:37**
